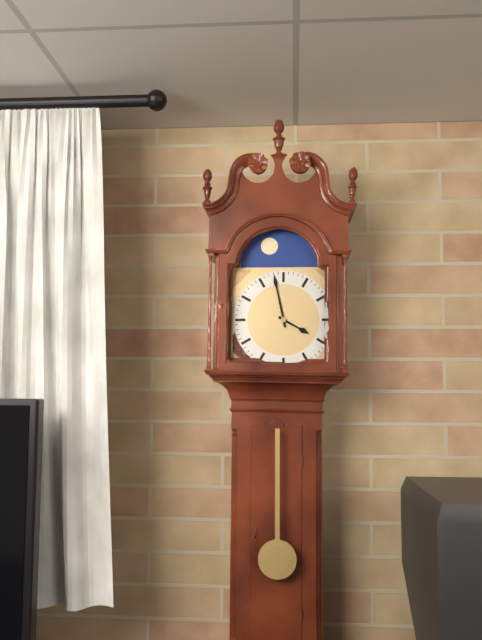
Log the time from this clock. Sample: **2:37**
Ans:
**3:58**
